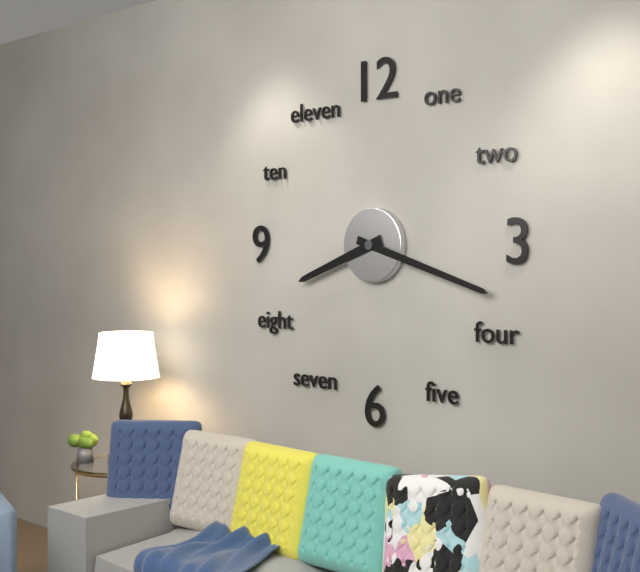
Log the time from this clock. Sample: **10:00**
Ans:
**8:18**
